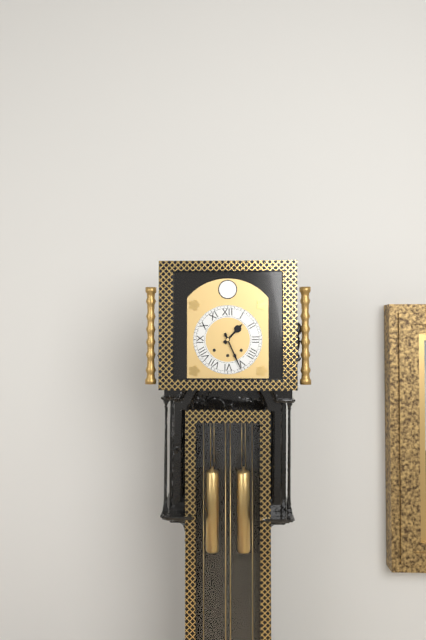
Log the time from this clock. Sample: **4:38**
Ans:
**1:26**
